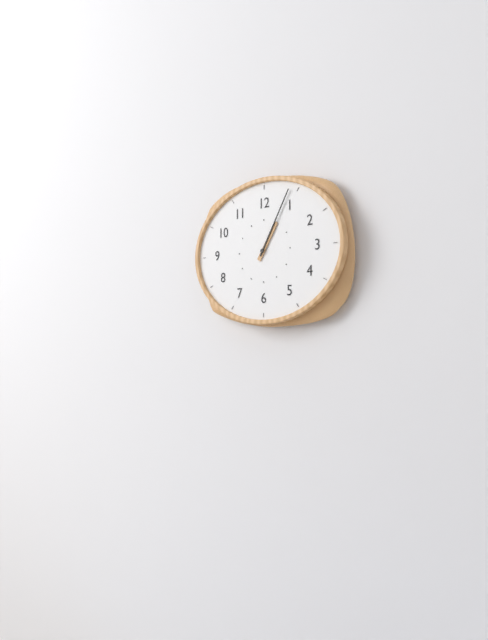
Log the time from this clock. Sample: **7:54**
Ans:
**1:05**
